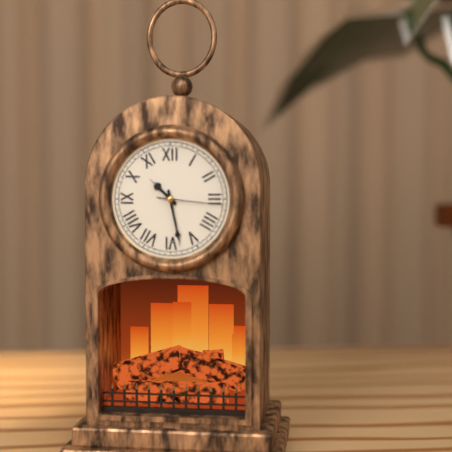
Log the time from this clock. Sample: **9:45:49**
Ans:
**10:28:16**
